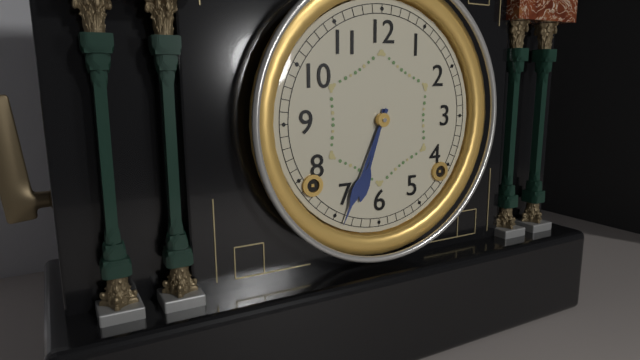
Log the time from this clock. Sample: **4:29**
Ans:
**6:34**
